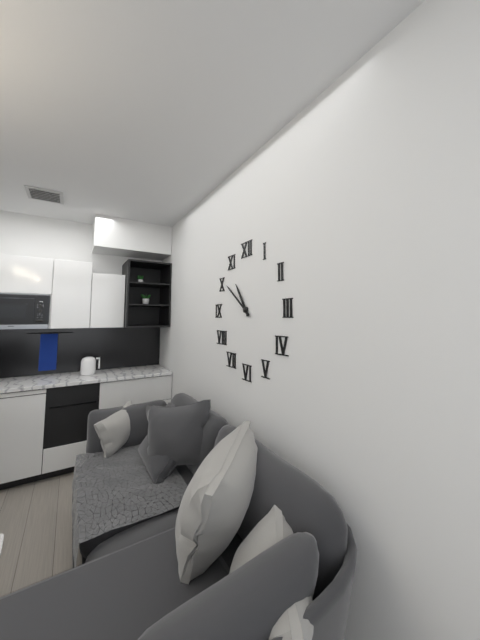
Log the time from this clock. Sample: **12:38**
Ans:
**10:51**
